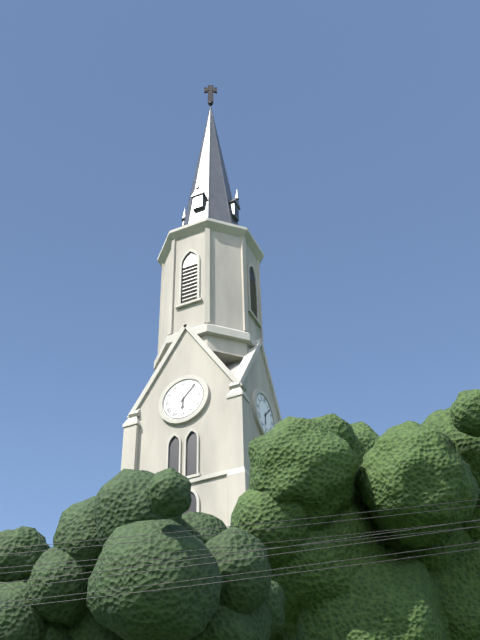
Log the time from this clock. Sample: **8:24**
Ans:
**6:07**
